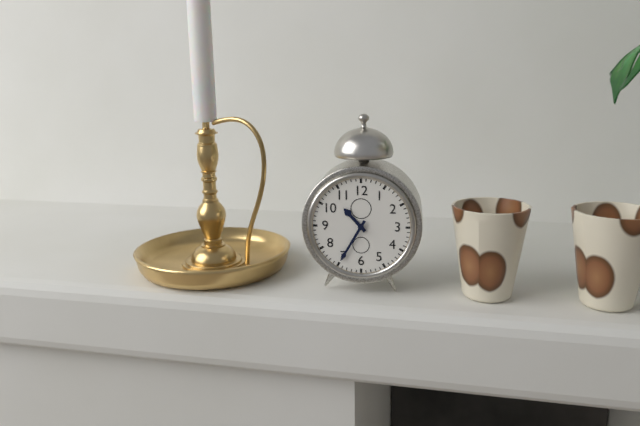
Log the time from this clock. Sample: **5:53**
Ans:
**10:35**
